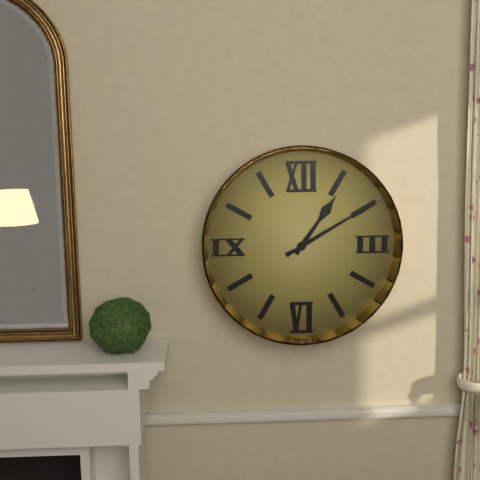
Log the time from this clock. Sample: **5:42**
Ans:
**1:10**
